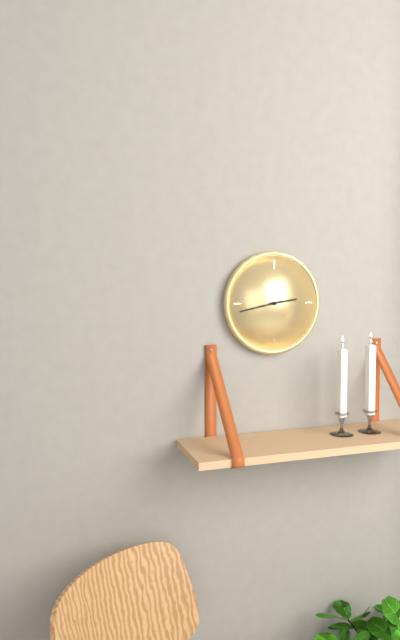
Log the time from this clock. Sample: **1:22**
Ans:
**2:43**
